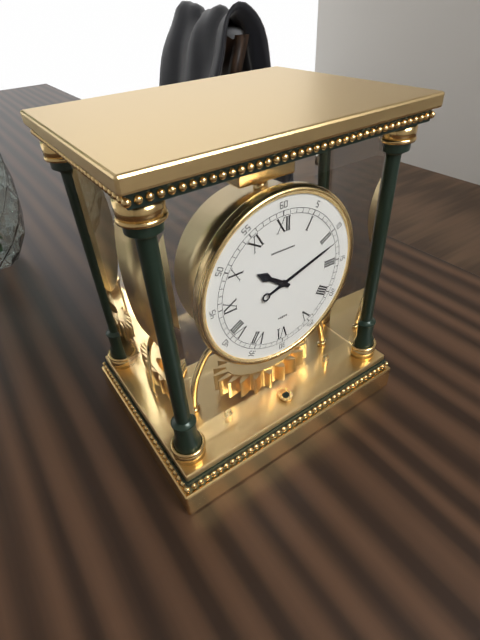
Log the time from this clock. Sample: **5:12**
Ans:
**10:12**
